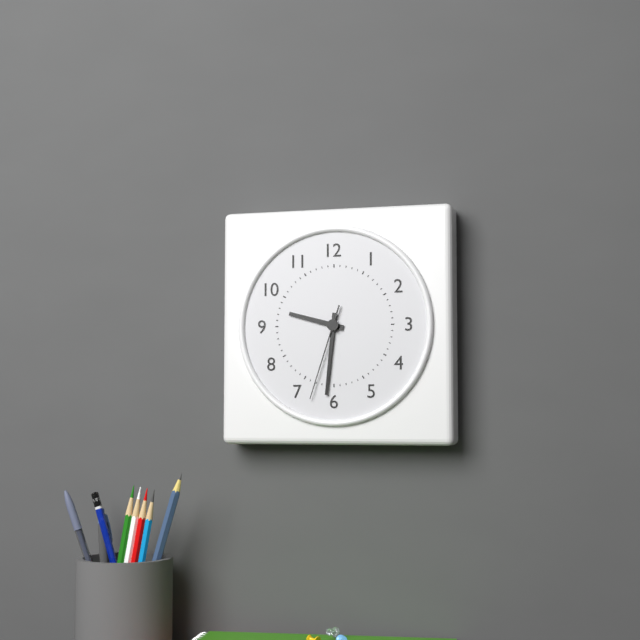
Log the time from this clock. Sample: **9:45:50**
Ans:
**9:31:33**
